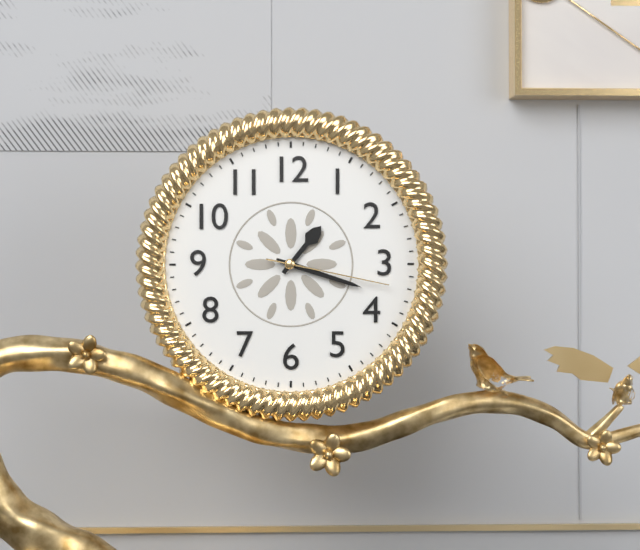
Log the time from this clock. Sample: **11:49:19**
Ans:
**1:18:17**
